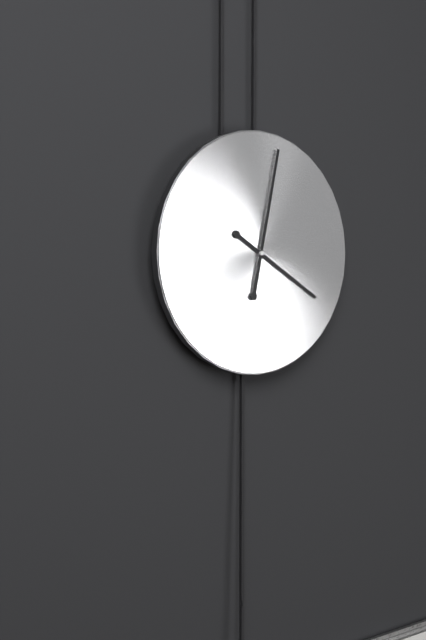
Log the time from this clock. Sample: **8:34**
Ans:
**4:02**
